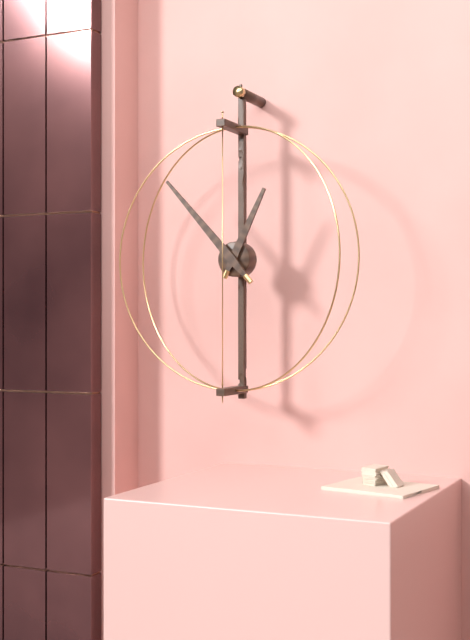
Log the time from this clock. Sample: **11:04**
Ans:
**12:53**
